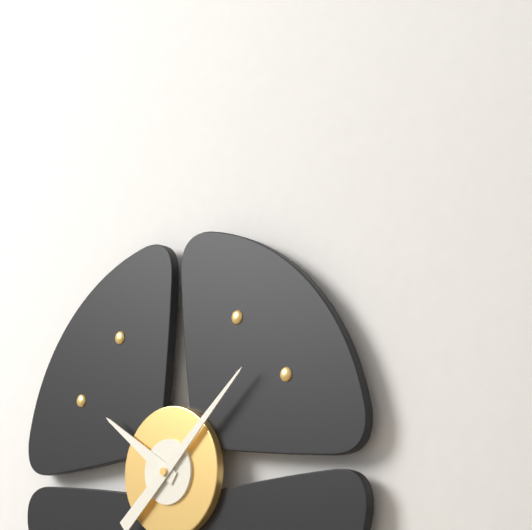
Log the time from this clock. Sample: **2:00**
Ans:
**10:08**
